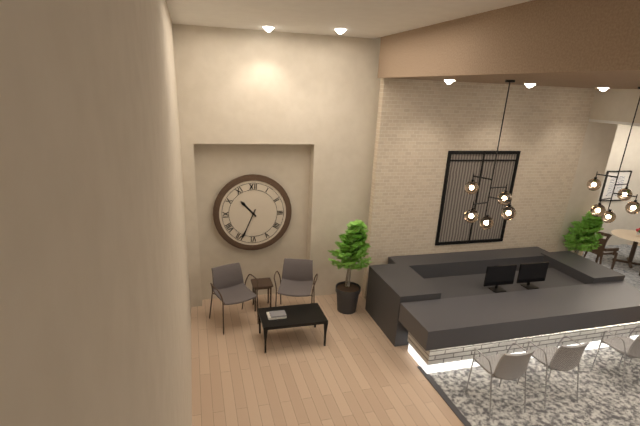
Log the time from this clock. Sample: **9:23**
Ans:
**10:34**
